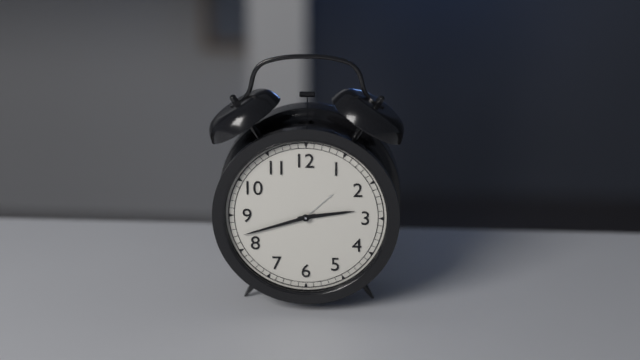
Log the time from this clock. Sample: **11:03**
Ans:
**2:42**
